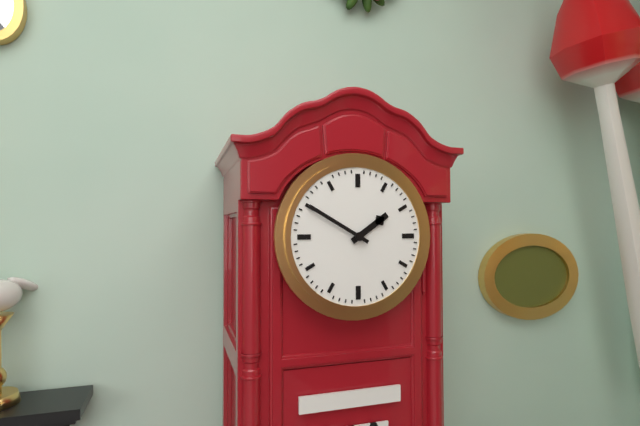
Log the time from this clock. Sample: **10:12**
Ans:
**1:50**
